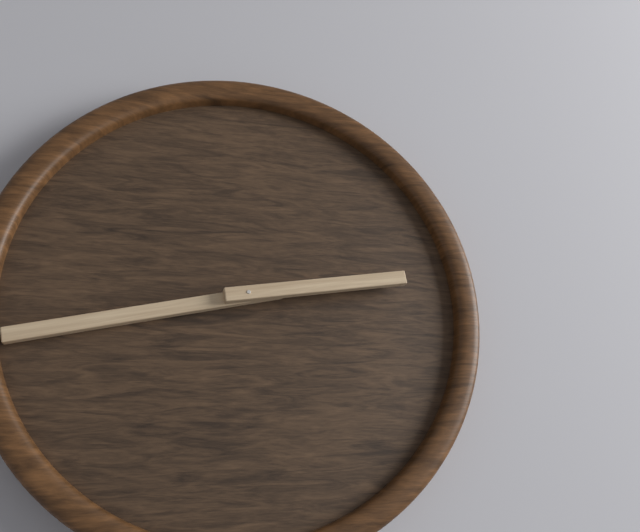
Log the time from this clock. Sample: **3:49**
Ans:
**2:43**
